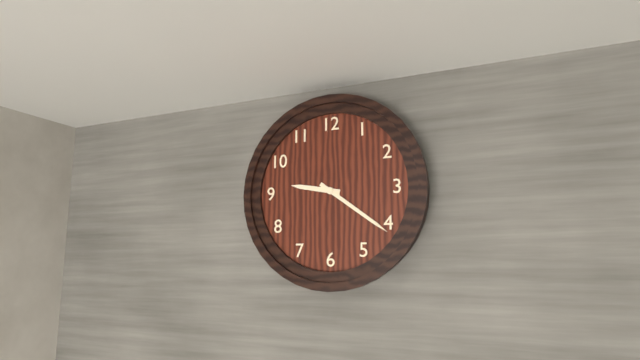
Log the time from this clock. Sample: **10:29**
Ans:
**9:21**
